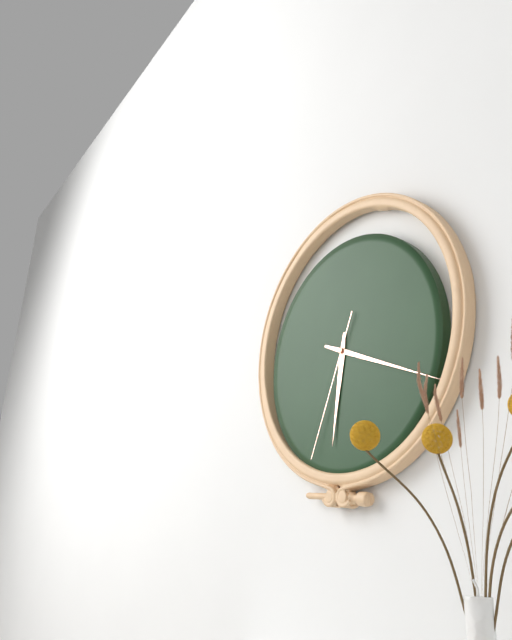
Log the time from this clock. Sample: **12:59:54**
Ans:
**6:19:34**
